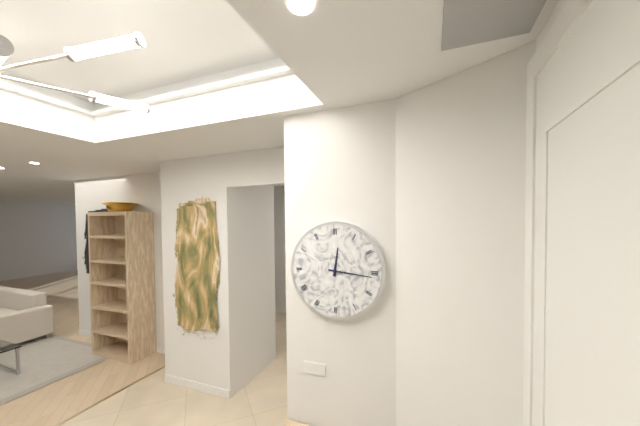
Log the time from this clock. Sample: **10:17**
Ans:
**12:16**
